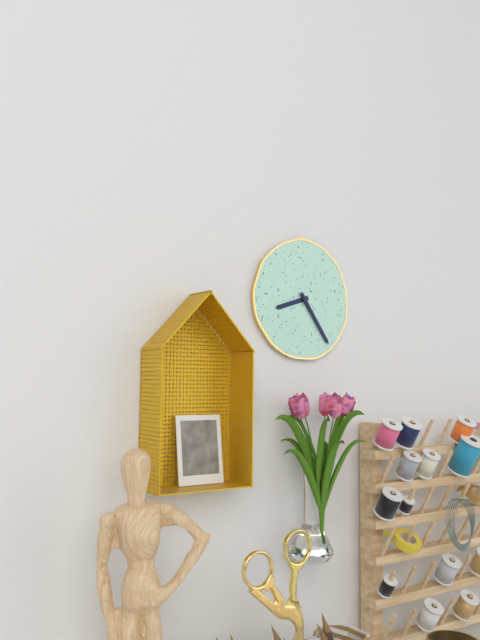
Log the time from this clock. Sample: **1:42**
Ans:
**8:24**
